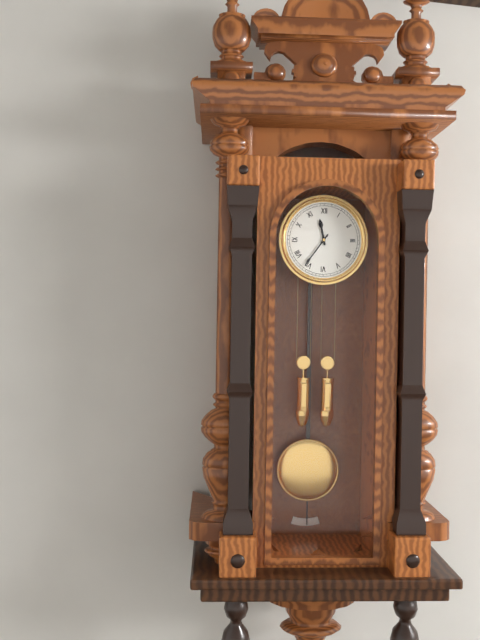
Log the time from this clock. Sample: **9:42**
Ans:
**11:36**
